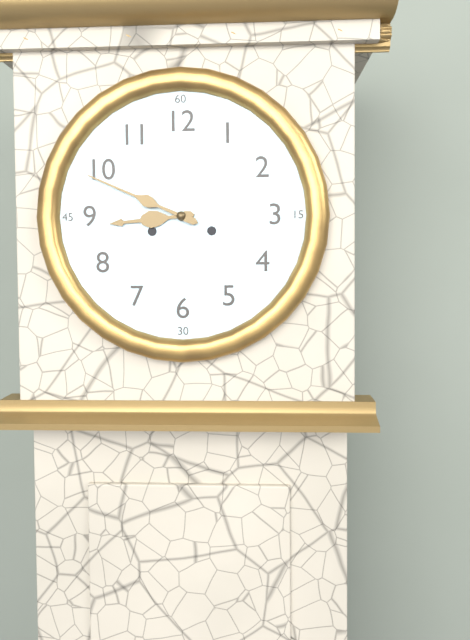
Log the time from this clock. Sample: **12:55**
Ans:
**8:49**
